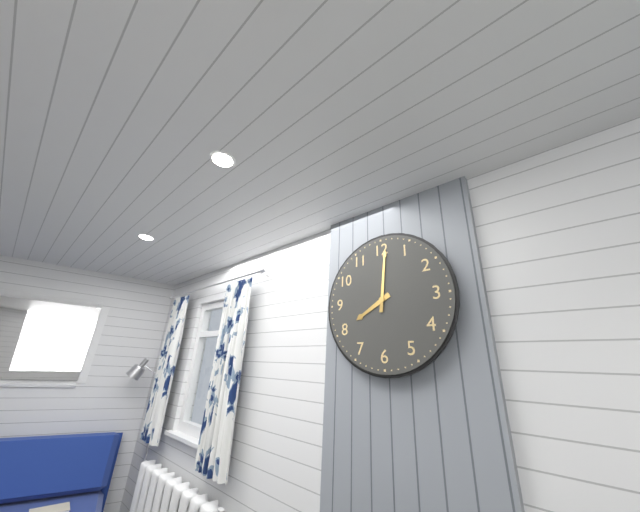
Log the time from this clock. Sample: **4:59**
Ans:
**8:01**
